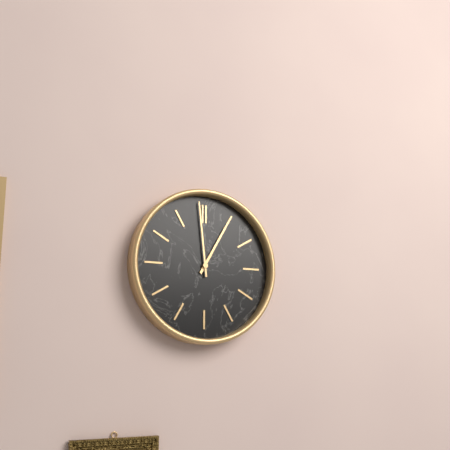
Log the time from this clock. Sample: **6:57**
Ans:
**12:59**
